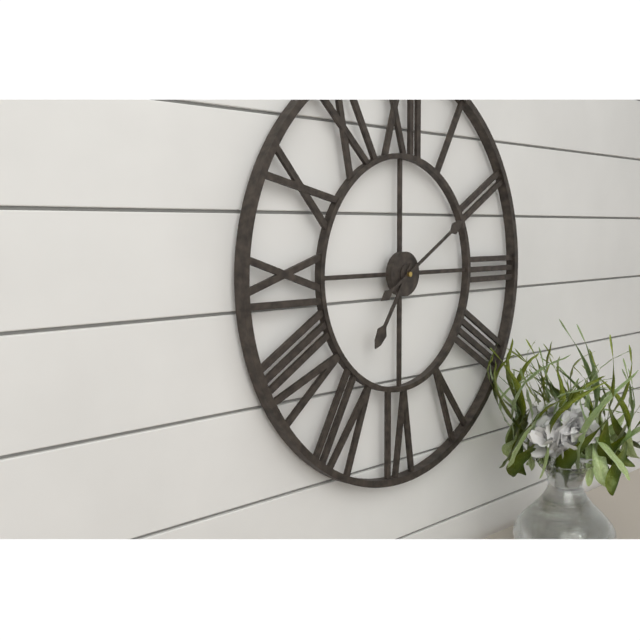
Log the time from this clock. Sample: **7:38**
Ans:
**7:10**
